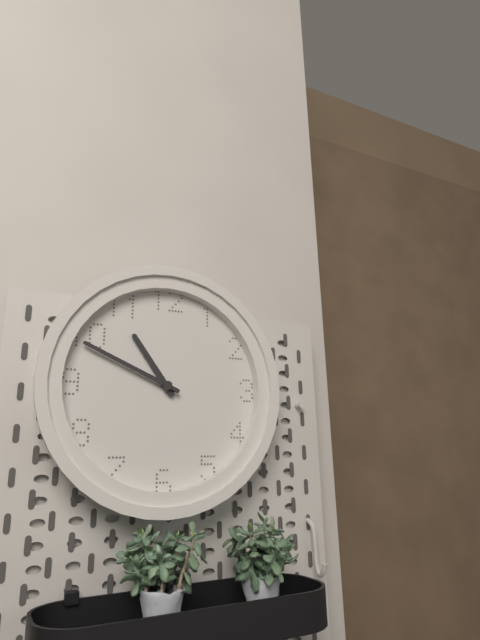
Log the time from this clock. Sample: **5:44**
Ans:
**10:49**
